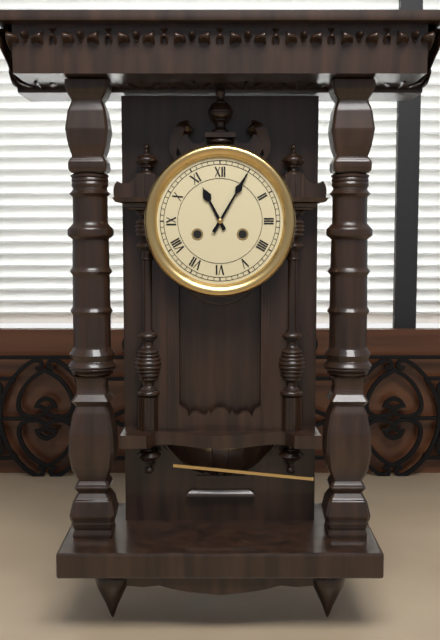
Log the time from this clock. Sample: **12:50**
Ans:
**11:05**
